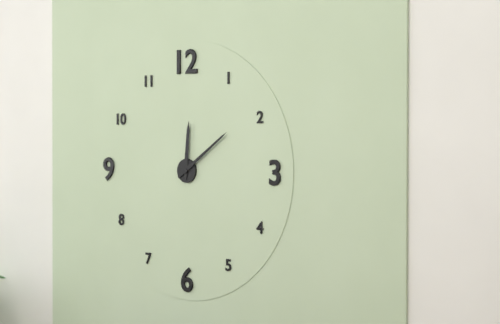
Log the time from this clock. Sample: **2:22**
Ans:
**12:09**
